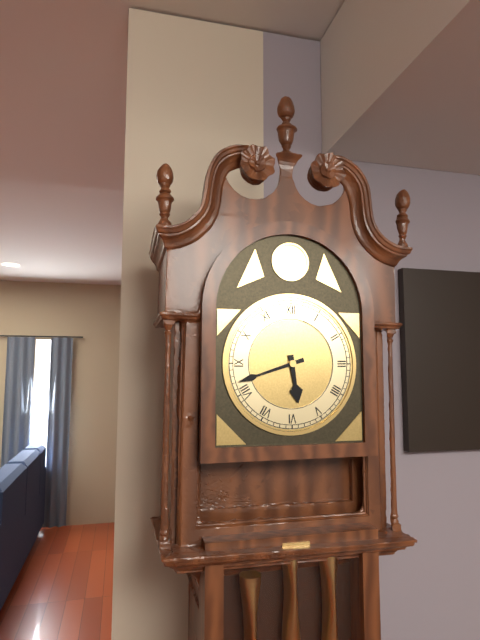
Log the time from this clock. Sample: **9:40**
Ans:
**5:42**
